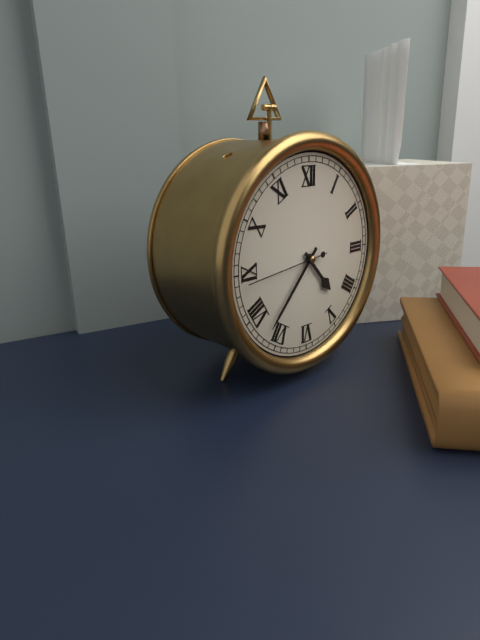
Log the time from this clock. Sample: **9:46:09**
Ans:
**4:37:44**
